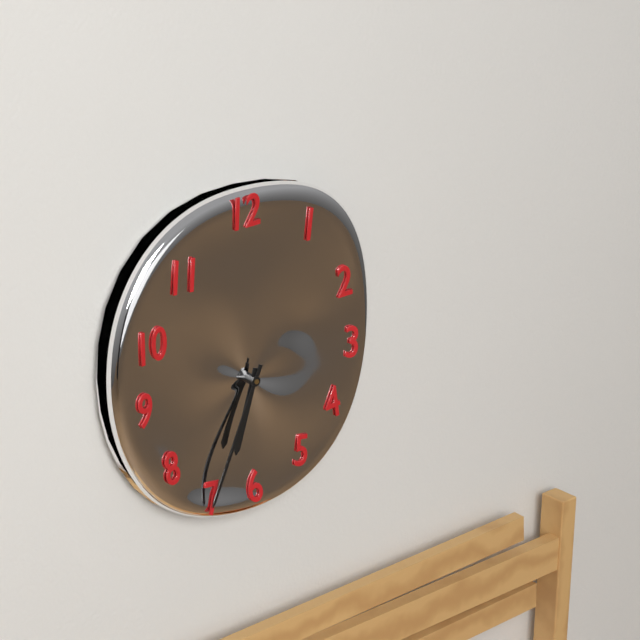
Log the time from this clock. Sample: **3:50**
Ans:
**6:34**
